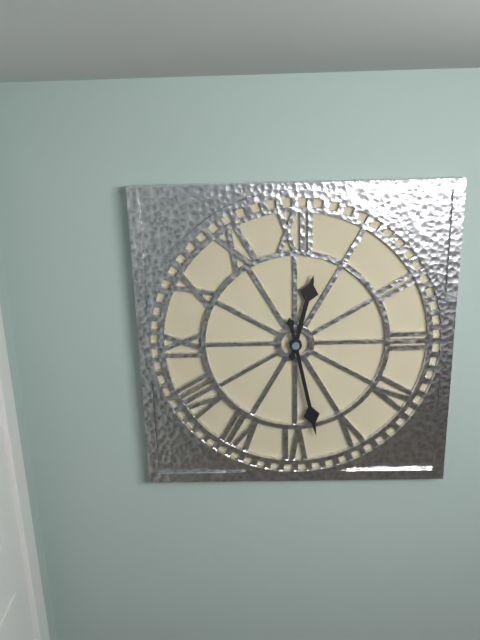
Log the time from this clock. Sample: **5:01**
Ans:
**12:28**
